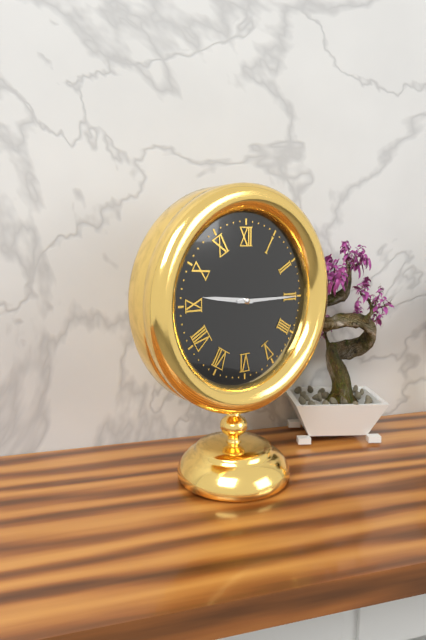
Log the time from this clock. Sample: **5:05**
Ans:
**9:15**
